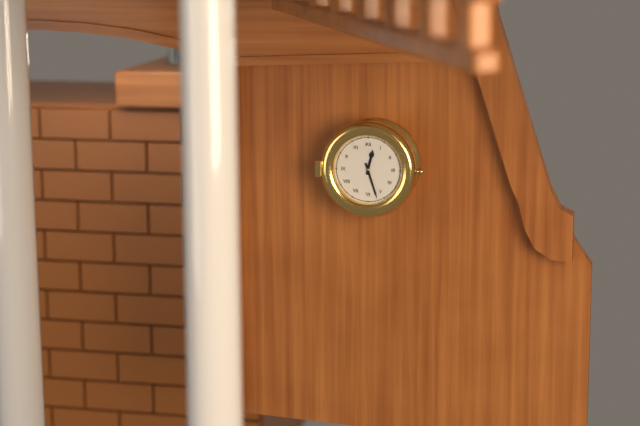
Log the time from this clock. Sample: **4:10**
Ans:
**12:27**
